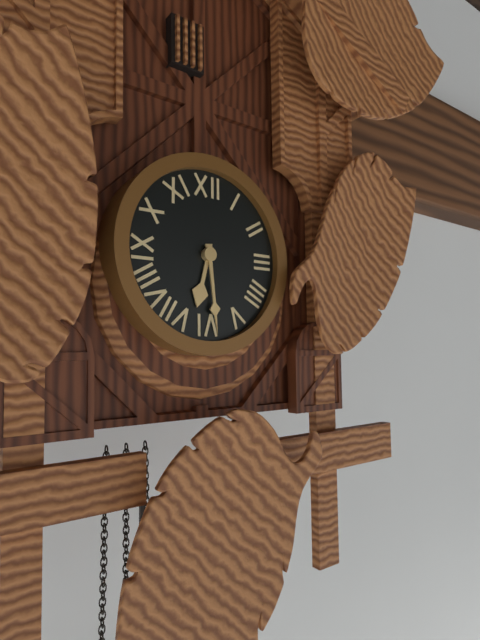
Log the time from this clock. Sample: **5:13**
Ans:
**6:29**
